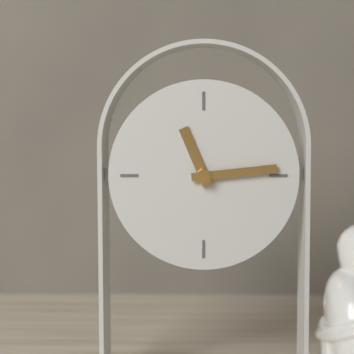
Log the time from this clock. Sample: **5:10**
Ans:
**11:14**
